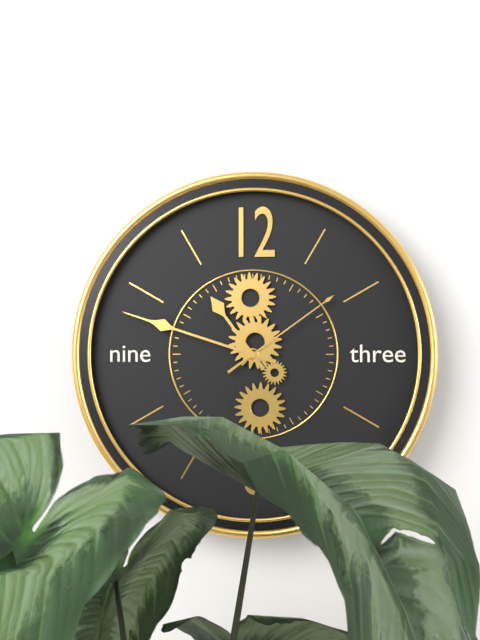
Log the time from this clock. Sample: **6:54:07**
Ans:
**10:48:09**
